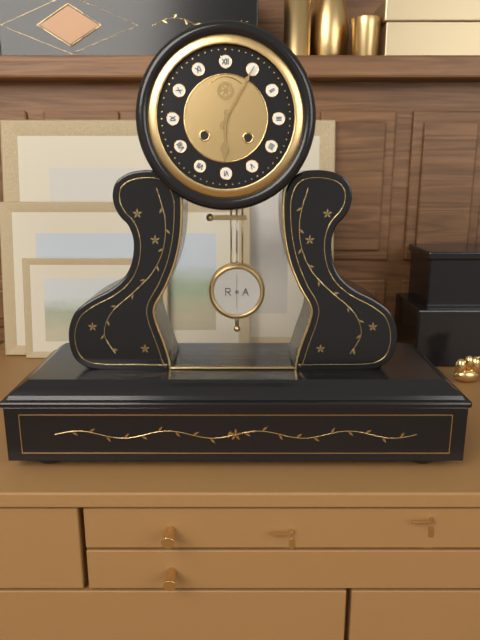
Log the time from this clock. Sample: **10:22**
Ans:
**6:05**
